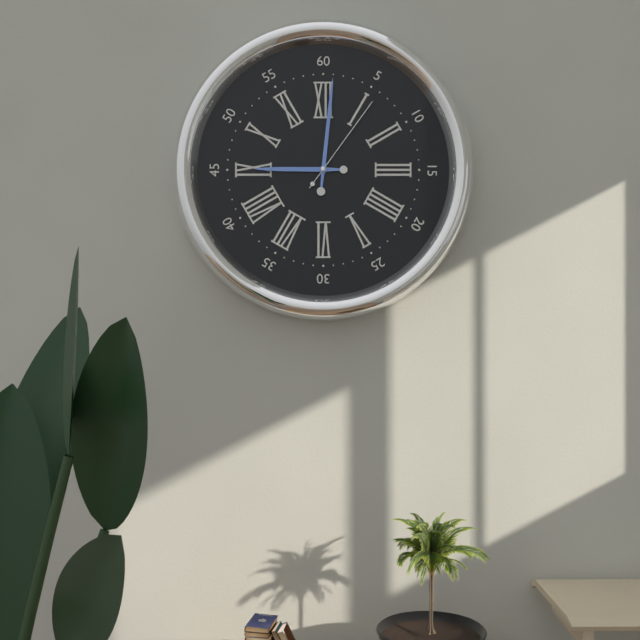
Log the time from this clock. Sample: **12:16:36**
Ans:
**9:01:06**
